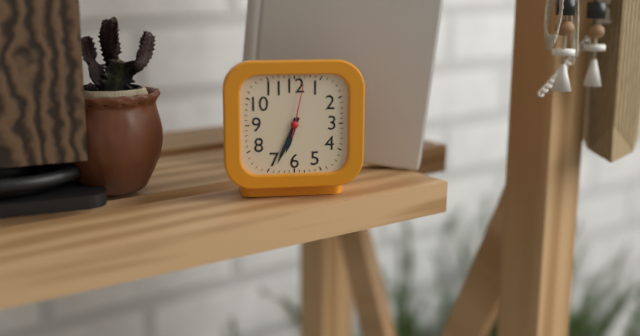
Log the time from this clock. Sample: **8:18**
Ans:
**6:34**
